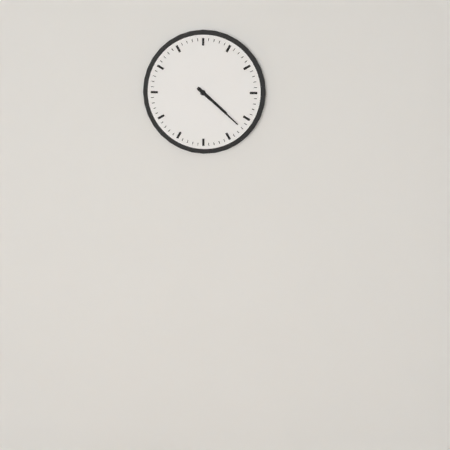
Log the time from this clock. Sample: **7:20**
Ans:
**4:22**
